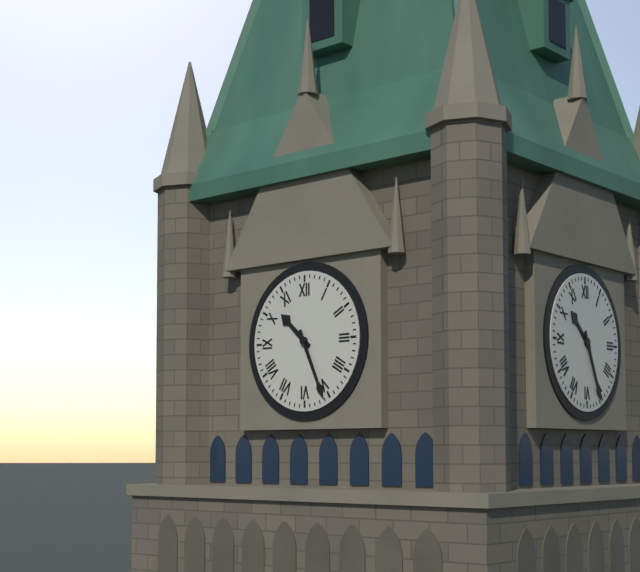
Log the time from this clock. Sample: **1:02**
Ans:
**10:26**
